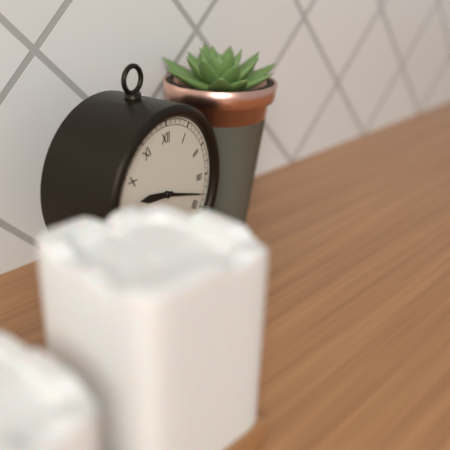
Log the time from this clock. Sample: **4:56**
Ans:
**9:18**
